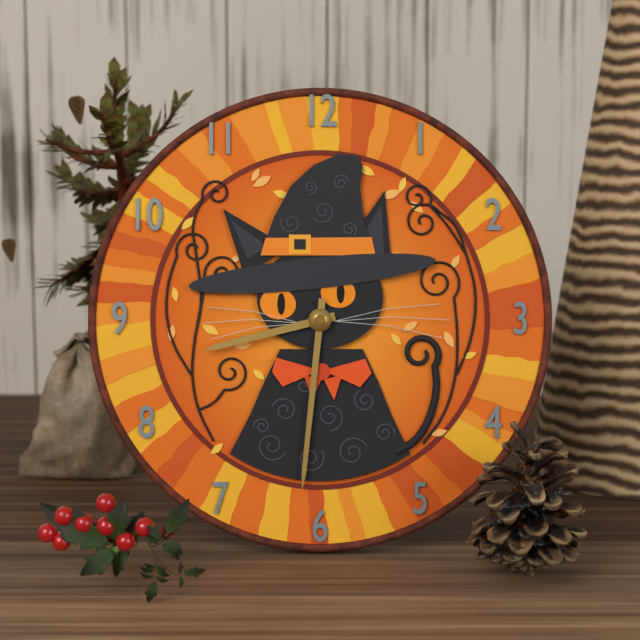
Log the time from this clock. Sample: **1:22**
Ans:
**8:31**
